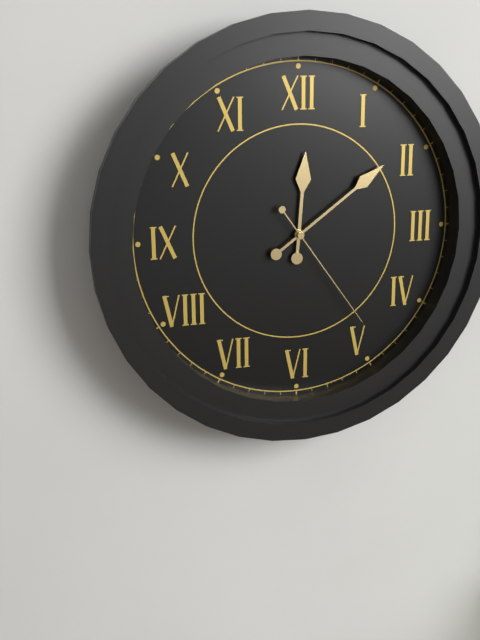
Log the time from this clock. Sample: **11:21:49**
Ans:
**12:09:24**
